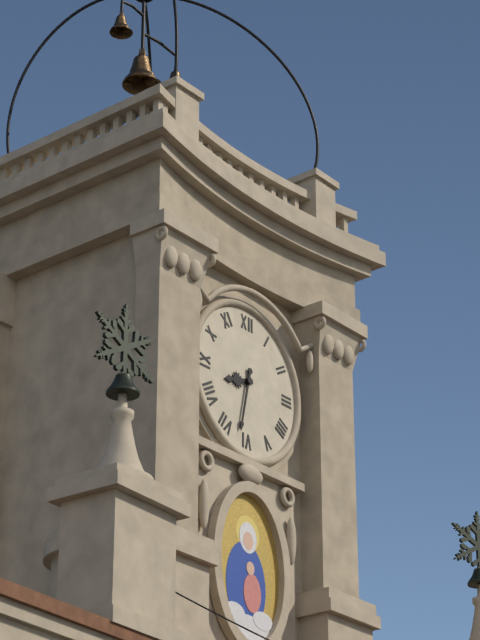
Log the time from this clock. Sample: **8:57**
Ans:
**8:32**
